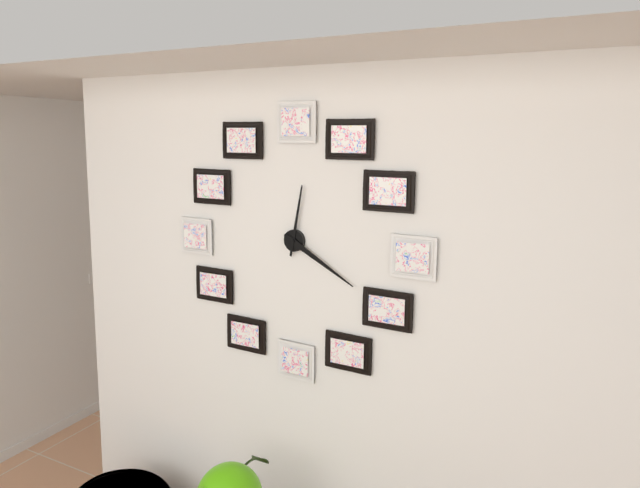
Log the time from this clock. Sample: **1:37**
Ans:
**12:20**
